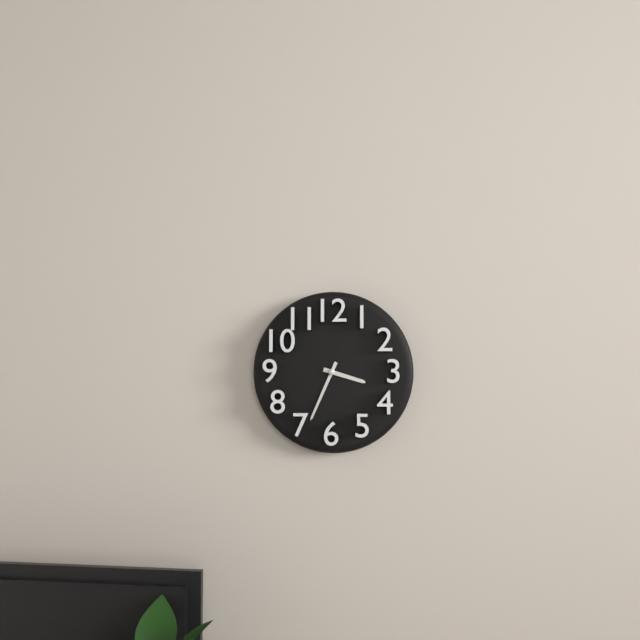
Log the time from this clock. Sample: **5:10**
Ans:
**3:34**
